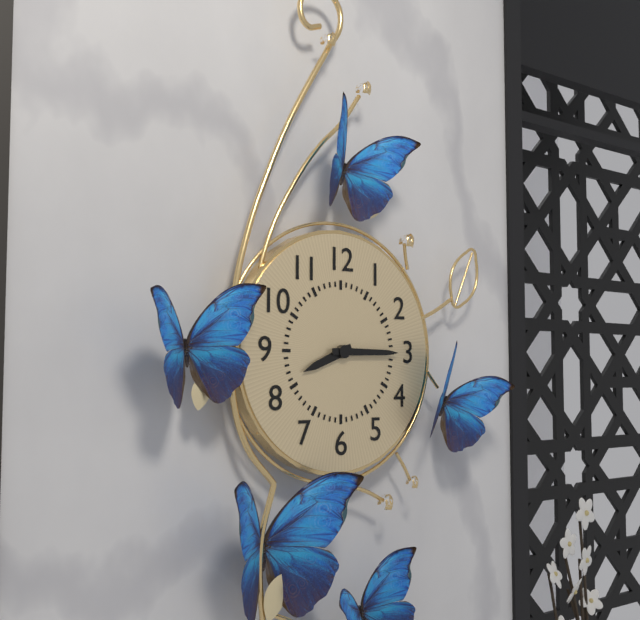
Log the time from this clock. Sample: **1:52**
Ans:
**8:15**
